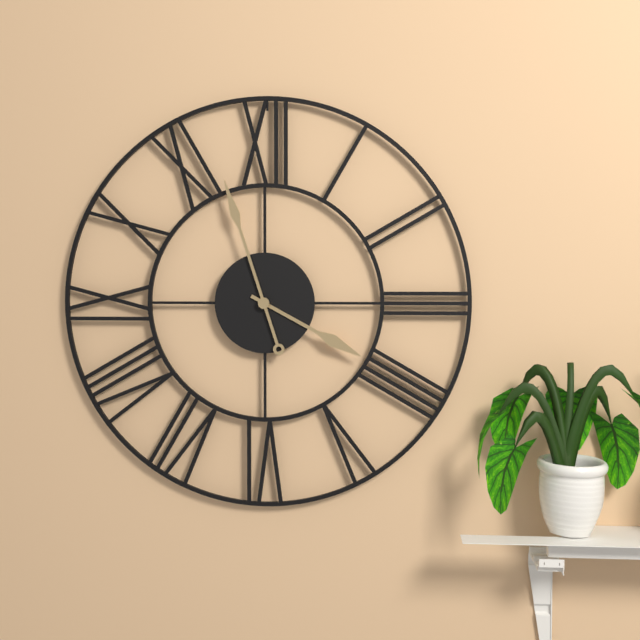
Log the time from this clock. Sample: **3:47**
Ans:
**3:57**
